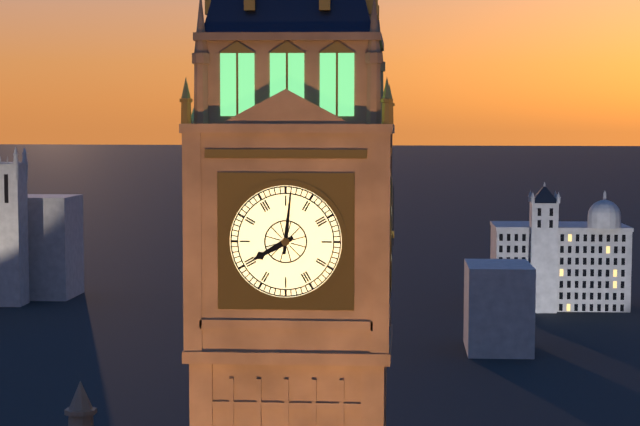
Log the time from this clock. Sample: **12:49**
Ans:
**8:01**
